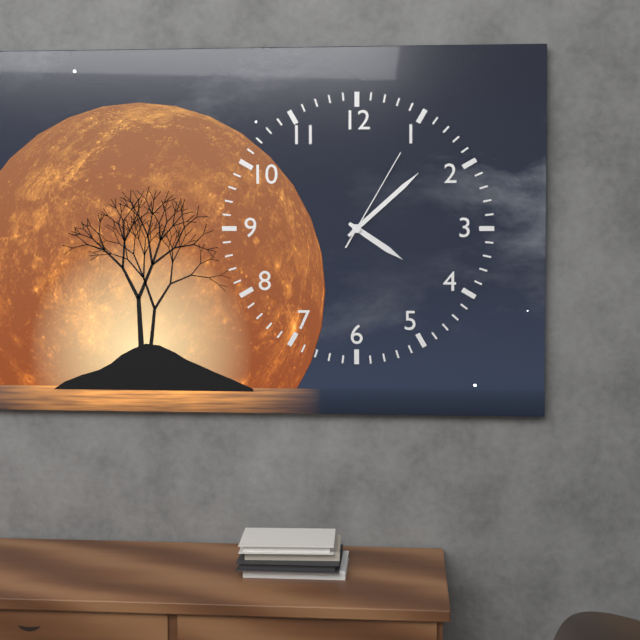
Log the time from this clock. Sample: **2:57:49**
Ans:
**4:08:05**
